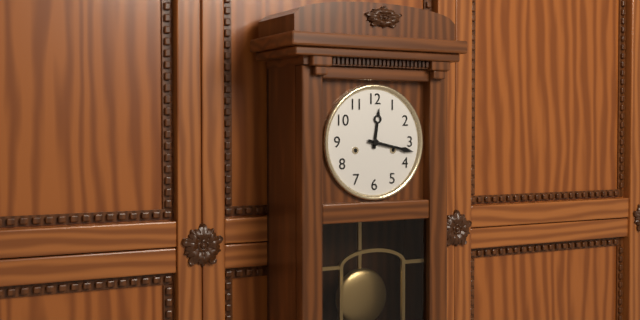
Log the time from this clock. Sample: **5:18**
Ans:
**12:17**
